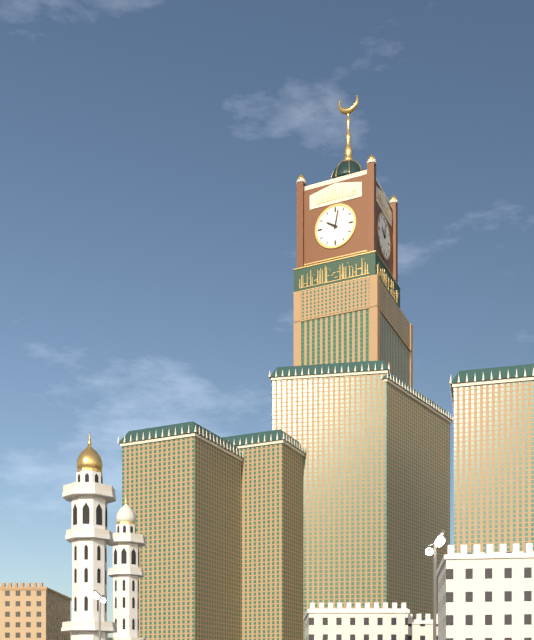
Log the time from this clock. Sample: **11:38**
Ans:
**10:02**
